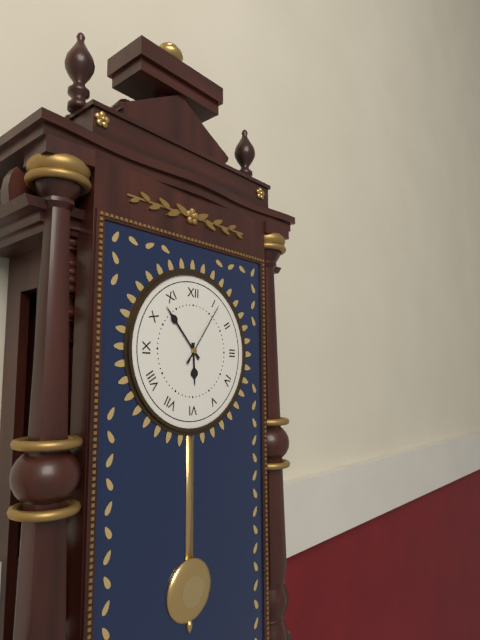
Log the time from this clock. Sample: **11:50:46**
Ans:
**5:53:06**
